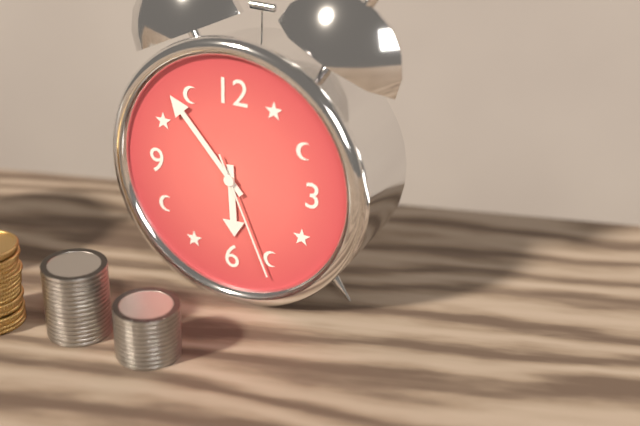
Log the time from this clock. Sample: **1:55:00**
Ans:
**5:53:26**
